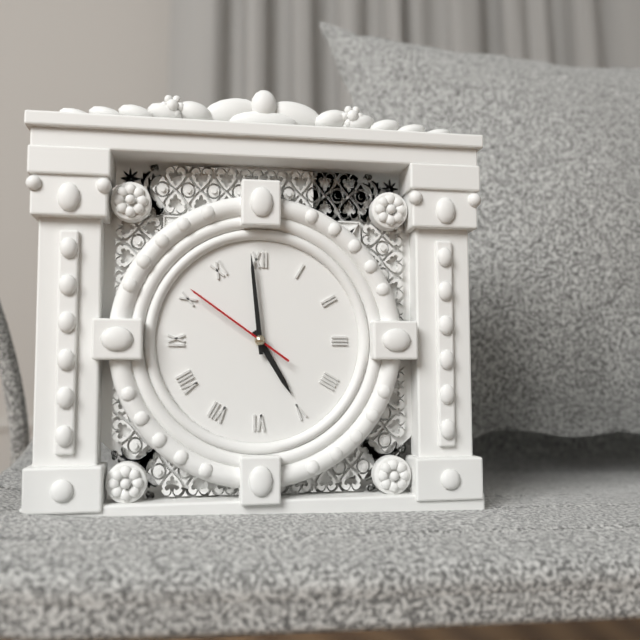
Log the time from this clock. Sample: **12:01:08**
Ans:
**4:59:51**
